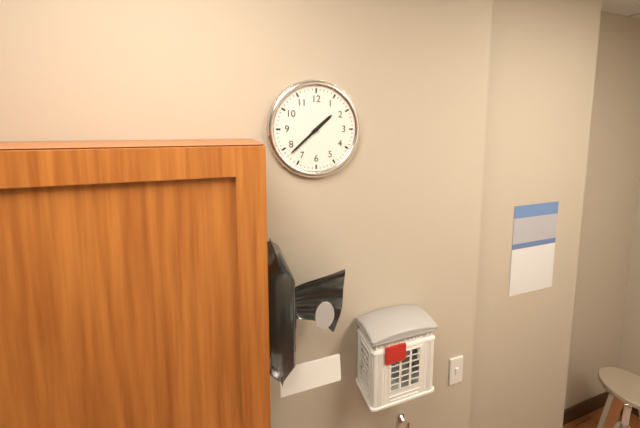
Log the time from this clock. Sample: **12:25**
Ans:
**1:38**
